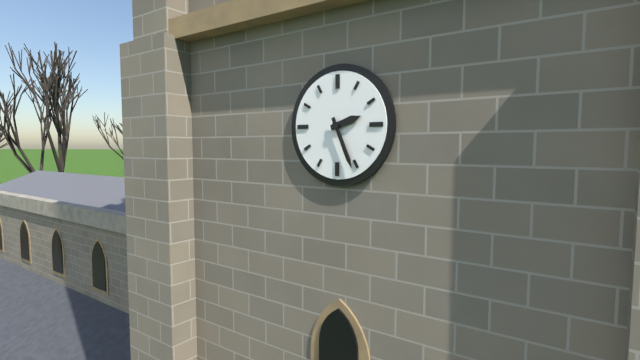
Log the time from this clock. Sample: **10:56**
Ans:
**2:26**
